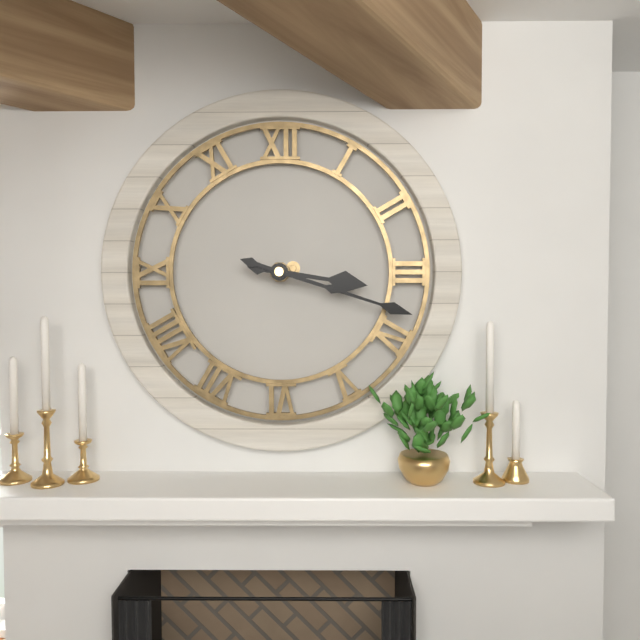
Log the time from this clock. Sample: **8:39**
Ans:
**3:18**
